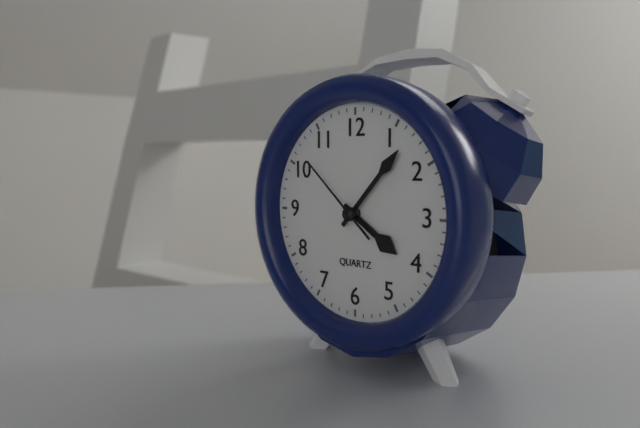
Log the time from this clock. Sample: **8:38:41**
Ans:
**4:07:52**
